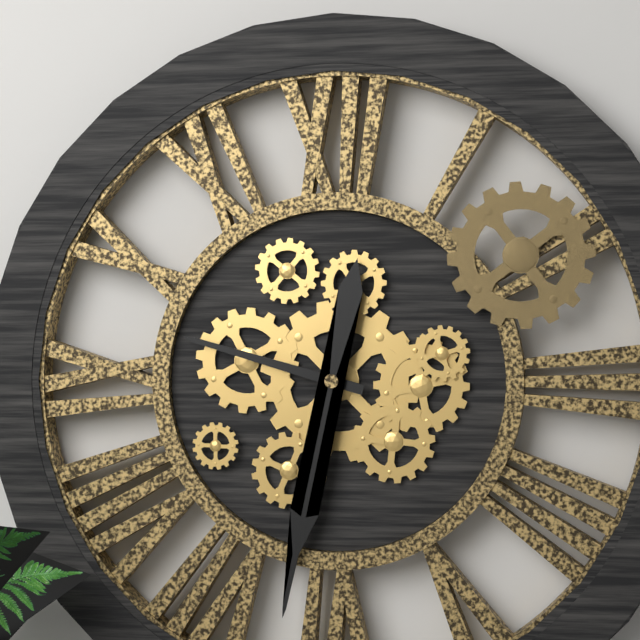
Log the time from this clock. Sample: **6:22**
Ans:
**9:32**
